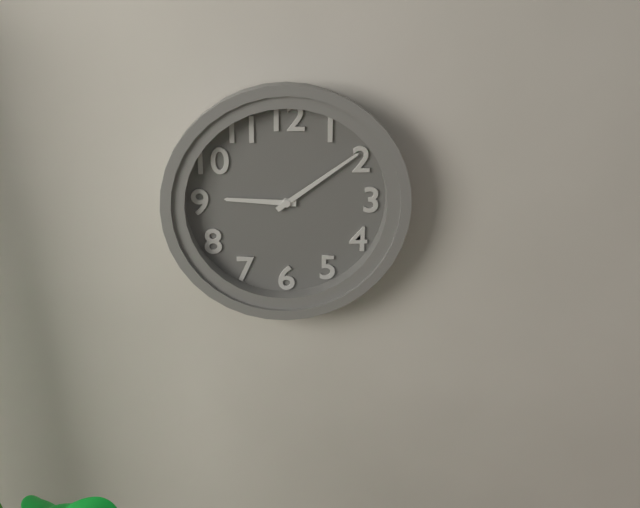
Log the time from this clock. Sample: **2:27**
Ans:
**9:09**
